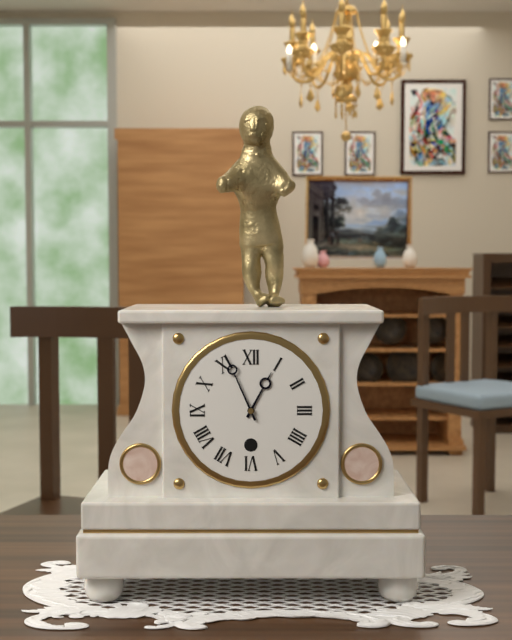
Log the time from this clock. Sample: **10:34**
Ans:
**12:56**
